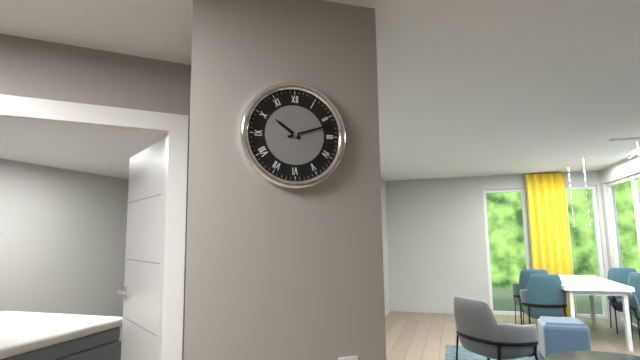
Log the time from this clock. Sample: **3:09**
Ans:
**10:12**
